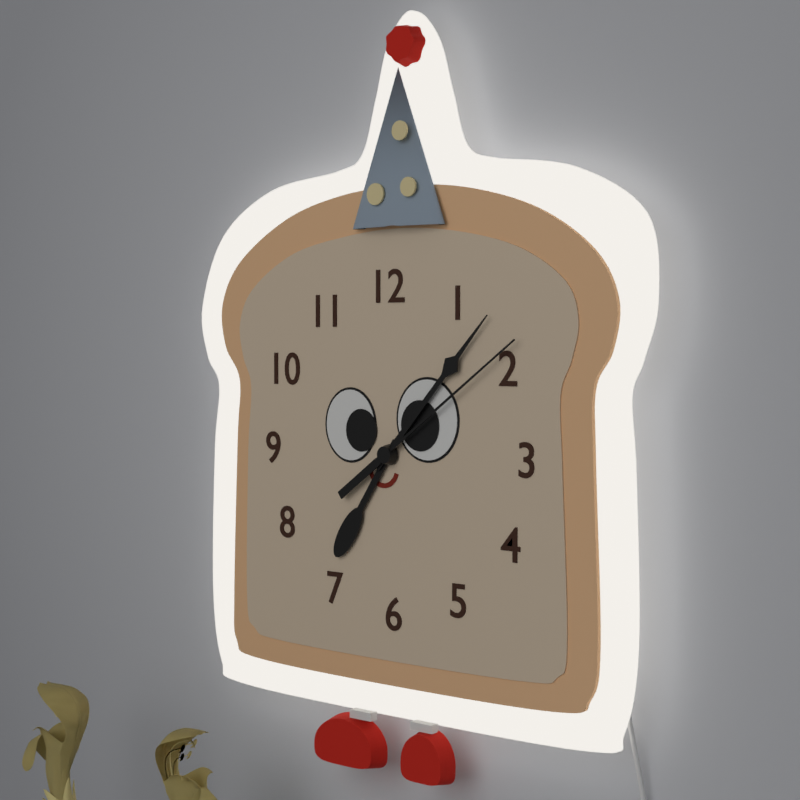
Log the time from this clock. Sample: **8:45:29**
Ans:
**7:07:09**
